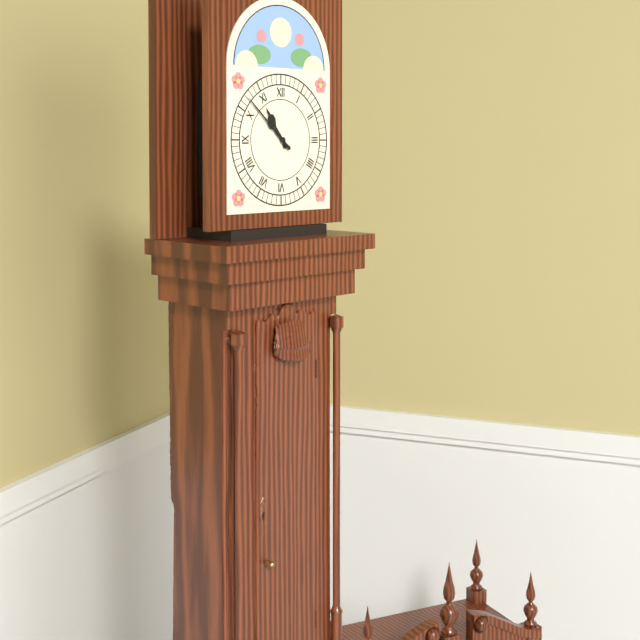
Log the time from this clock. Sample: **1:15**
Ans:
**10:52**
